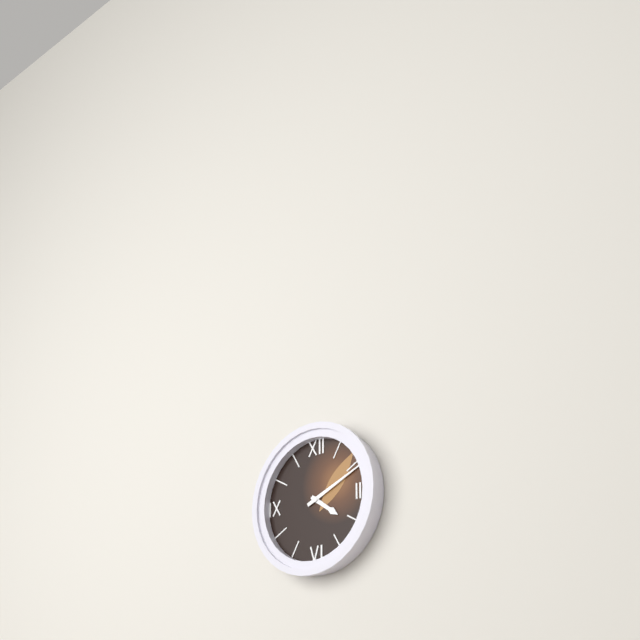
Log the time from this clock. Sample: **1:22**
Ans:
**4:11**
